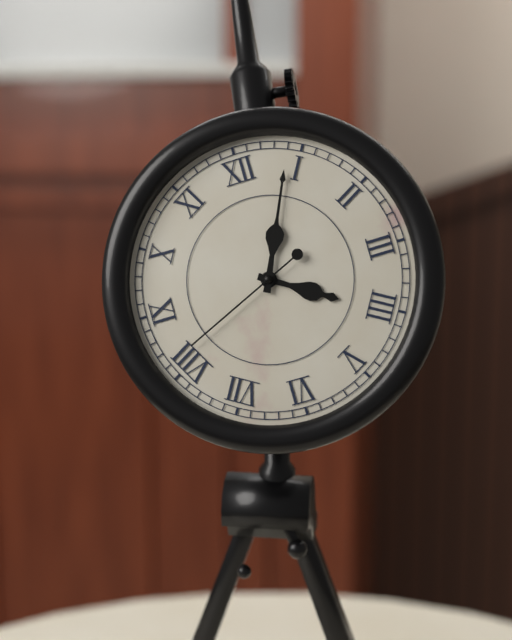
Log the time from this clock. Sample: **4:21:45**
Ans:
**4:04:41**
